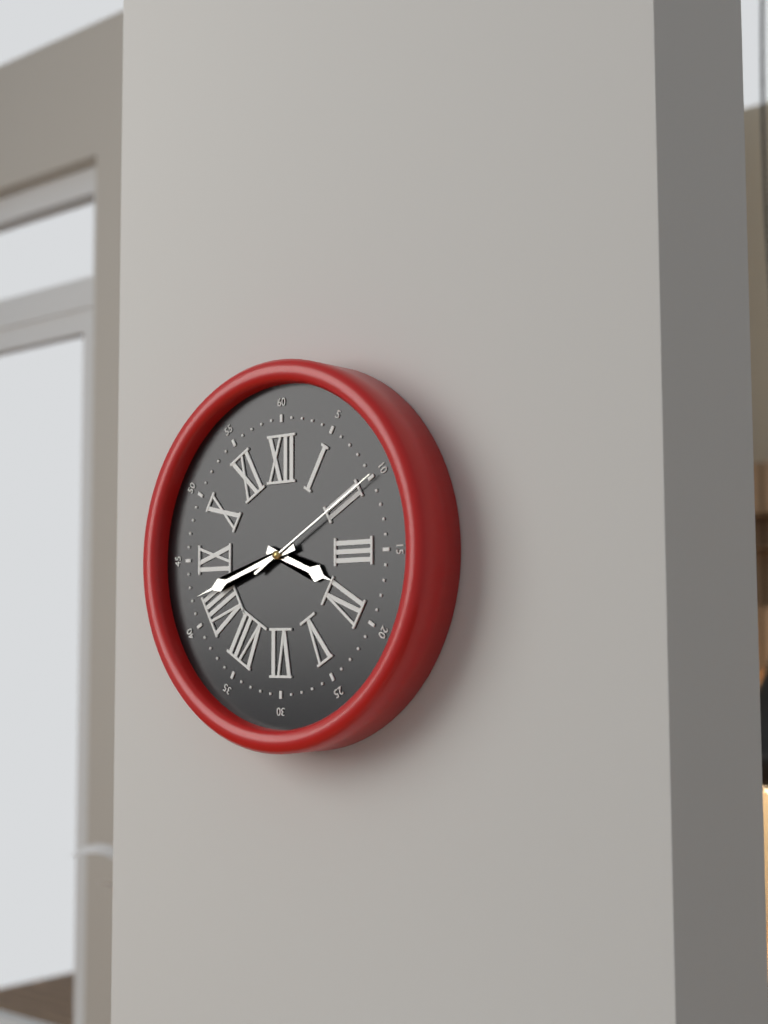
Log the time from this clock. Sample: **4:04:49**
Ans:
**3:42:10**
